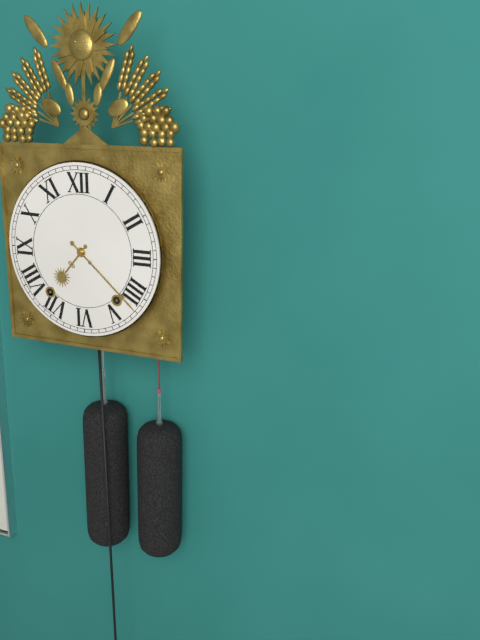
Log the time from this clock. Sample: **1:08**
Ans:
**7:22**
